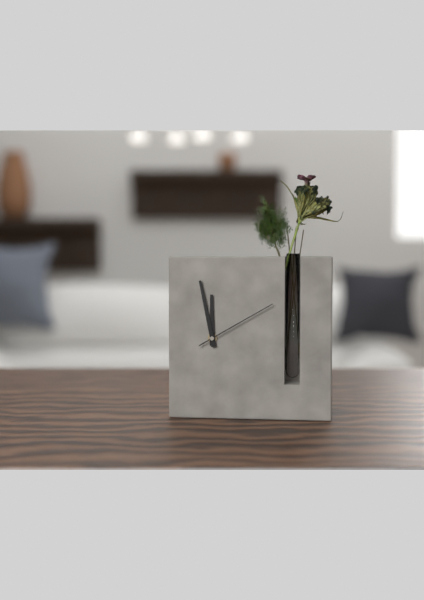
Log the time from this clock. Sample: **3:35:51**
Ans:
**11:58:10**
